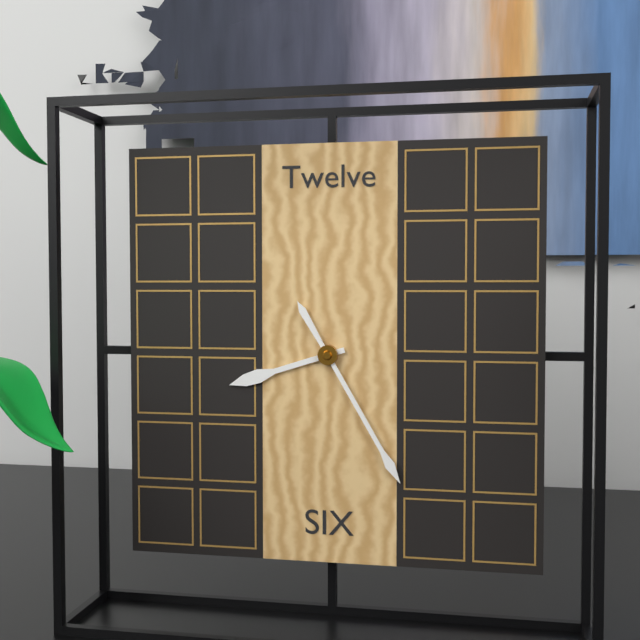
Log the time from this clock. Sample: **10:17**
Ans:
**8:25**
